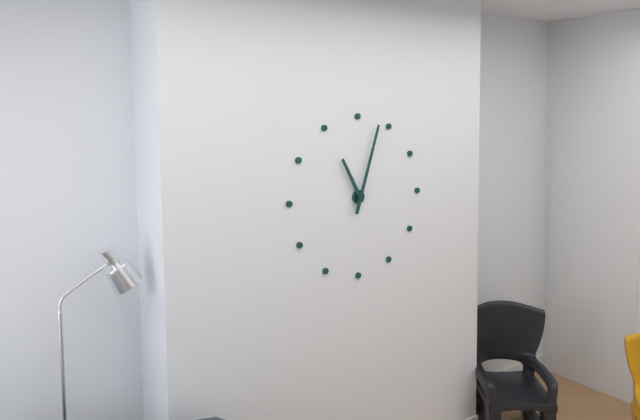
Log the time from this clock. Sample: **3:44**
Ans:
**11:03**
